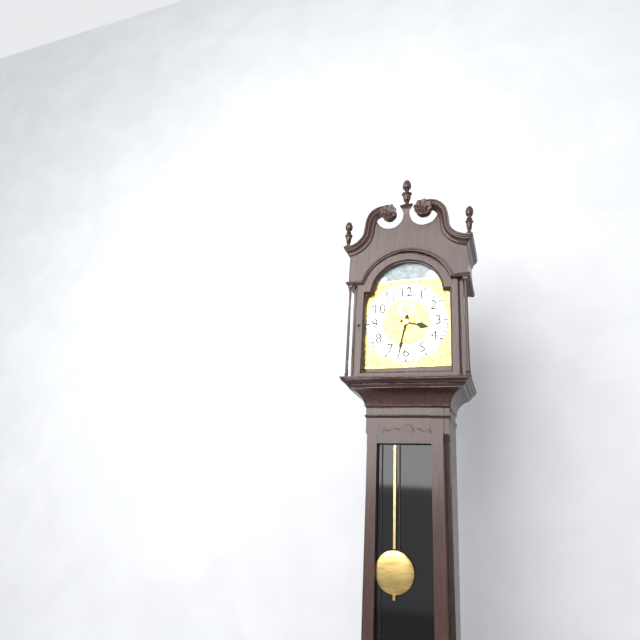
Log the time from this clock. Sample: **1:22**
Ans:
**3:32**
